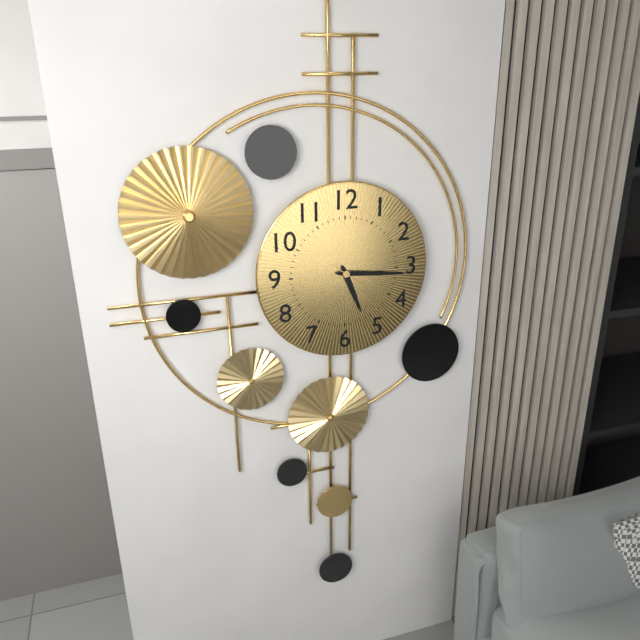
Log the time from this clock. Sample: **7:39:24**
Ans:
**5:16:21**
